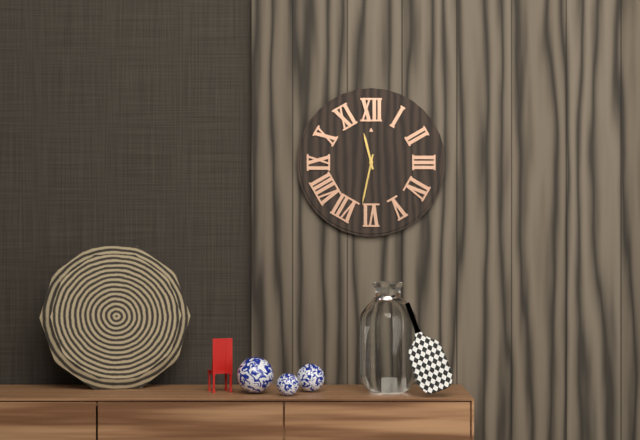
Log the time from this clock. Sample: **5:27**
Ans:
**11:32**
